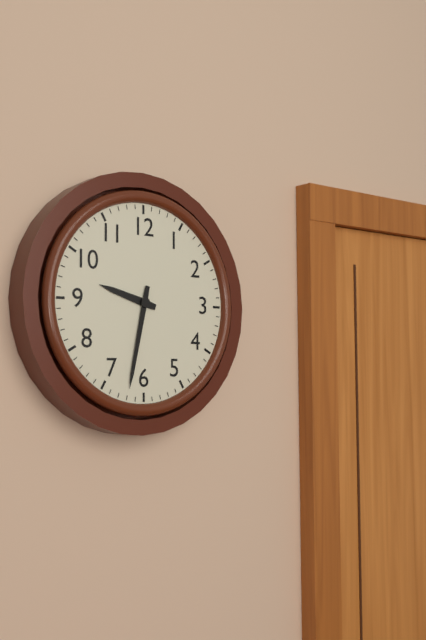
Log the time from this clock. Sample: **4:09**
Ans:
**9:32**
